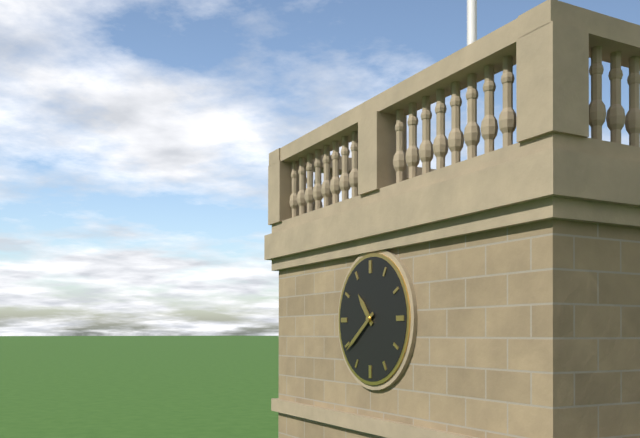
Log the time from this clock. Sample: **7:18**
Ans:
**10:39**
